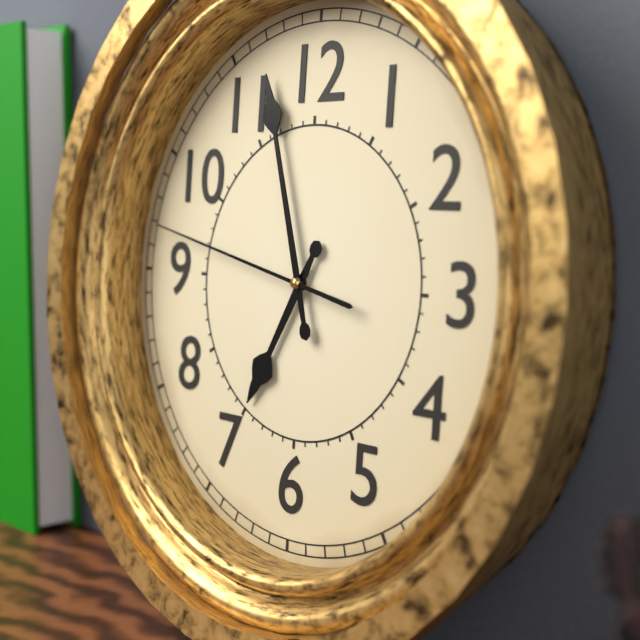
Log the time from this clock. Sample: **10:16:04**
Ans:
**6:57:47**
